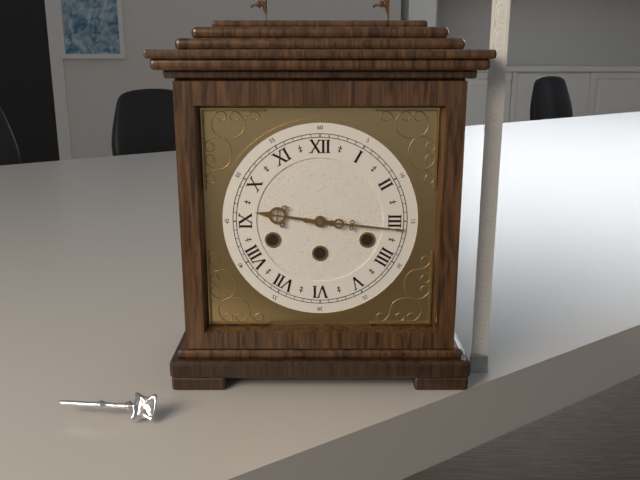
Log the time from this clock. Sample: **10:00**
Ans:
**9:16**
